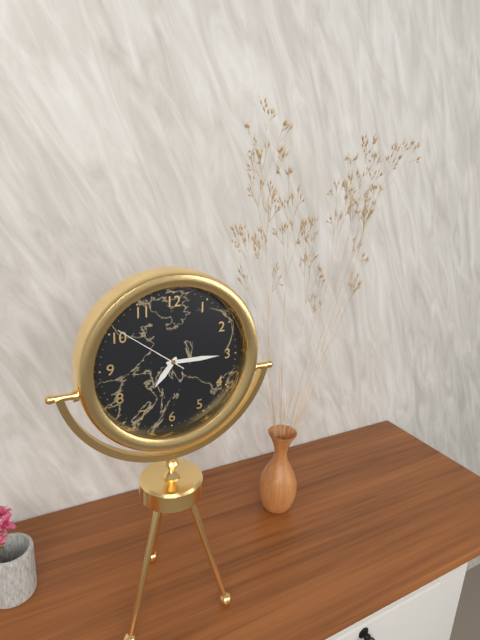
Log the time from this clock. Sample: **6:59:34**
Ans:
**7:15:51**
